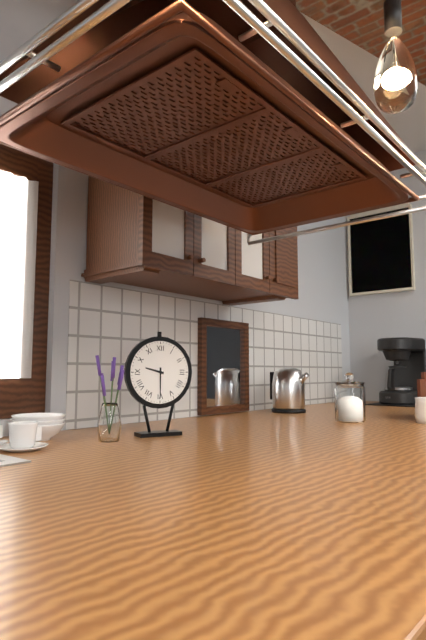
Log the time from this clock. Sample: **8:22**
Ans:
**9:30**
